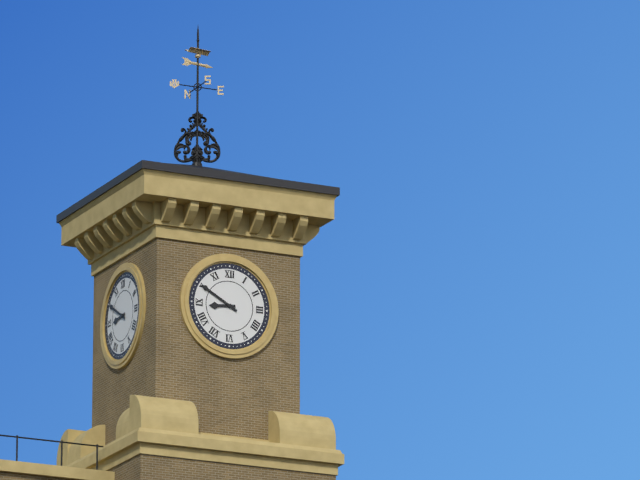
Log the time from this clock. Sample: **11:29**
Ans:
**8:50**
